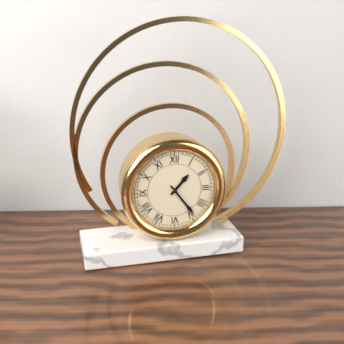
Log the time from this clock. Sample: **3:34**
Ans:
**1:24**
